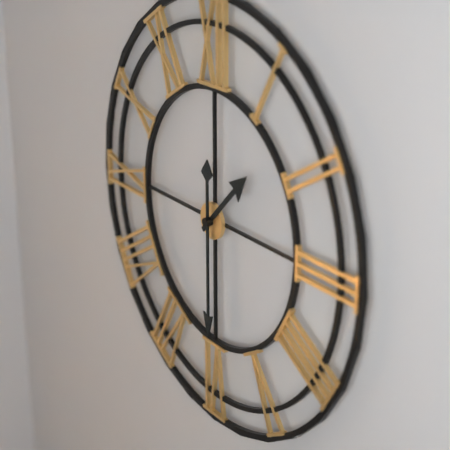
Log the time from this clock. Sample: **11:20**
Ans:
**1:30**
